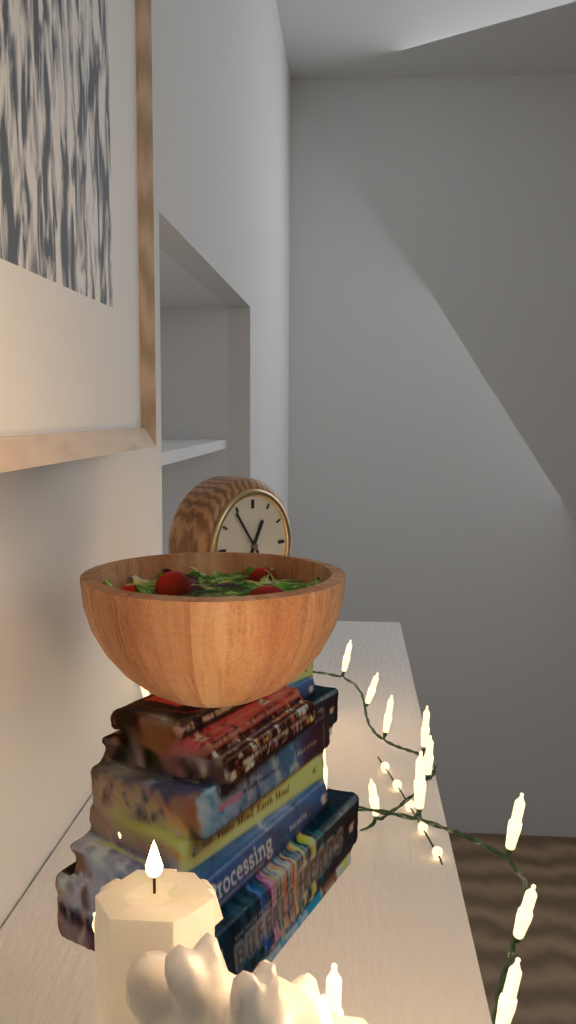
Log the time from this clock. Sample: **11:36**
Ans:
**12:54**
